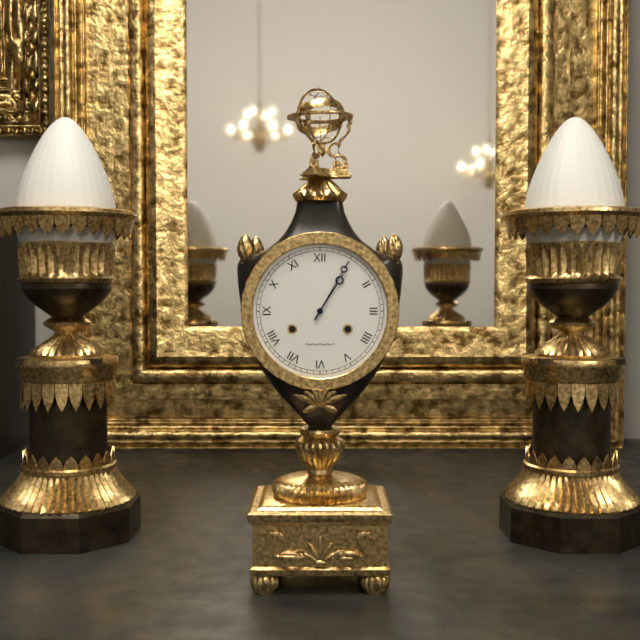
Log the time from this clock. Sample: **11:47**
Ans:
**1:05**
